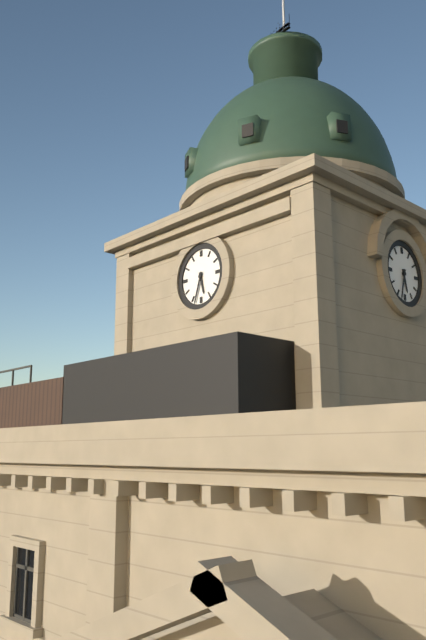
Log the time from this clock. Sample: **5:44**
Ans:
**5:33**
